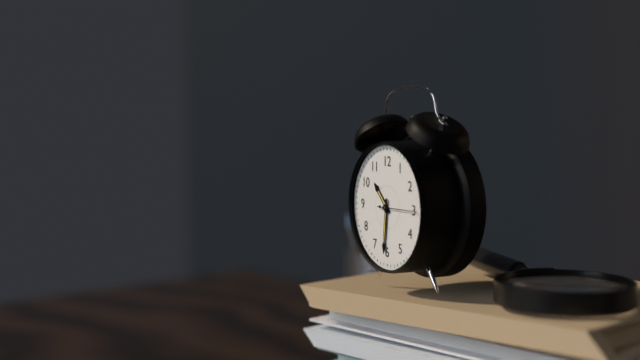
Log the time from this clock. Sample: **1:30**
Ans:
**10:31**
